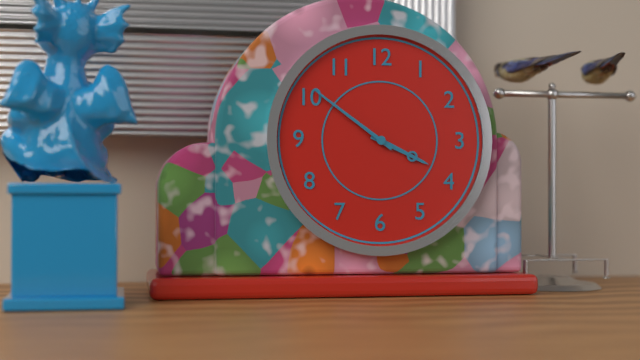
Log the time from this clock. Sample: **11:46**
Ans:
**3:51**
